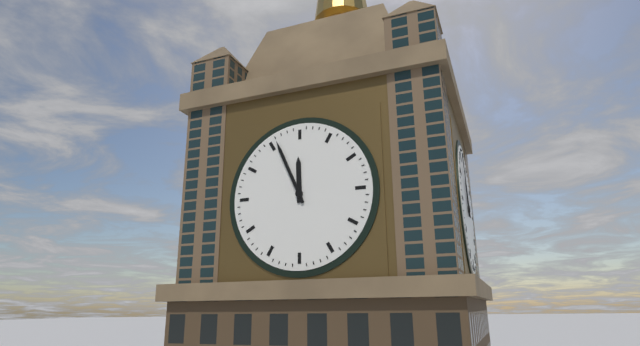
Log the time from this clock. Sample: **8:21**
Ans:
**11:56**
